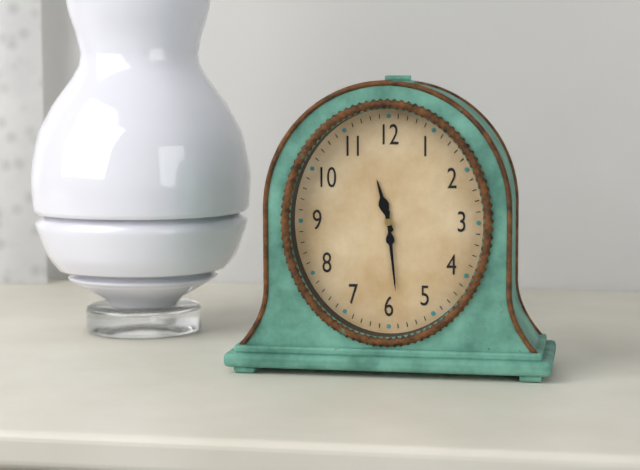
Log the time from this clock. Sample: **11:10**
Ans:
**11:29**
